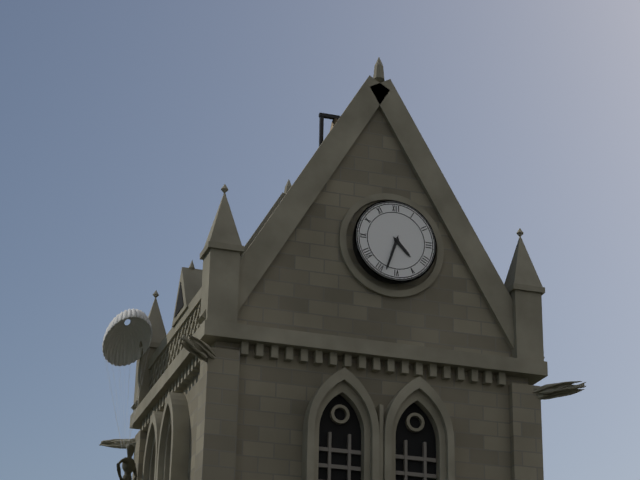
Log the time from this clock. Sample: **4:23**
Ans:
**4:33**
